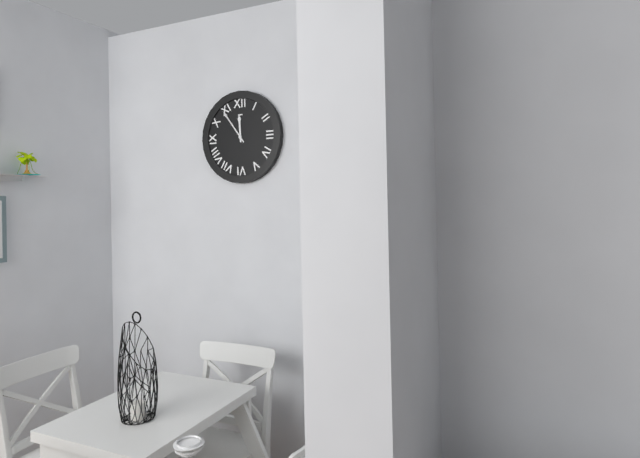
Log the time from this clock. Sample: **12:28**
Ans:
**11:54**
